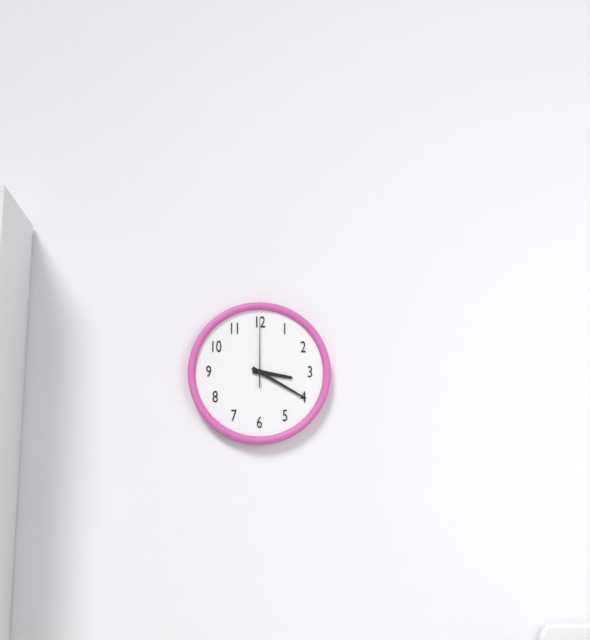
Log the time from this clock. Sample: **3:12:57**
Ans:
**3:20:00**
